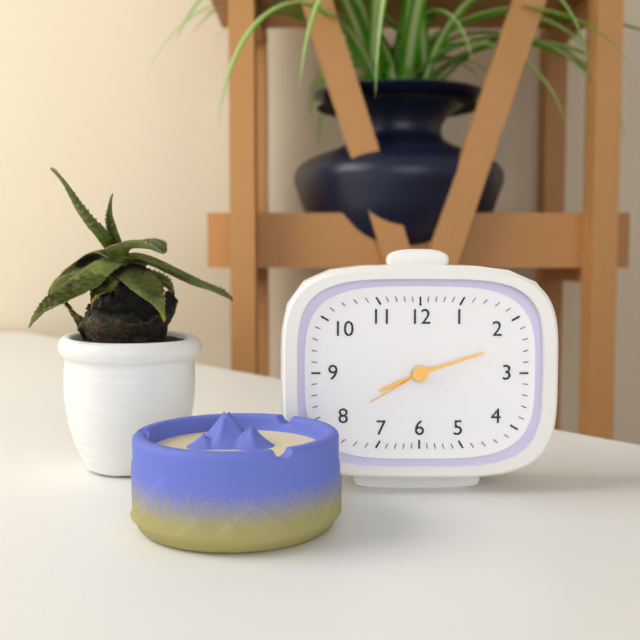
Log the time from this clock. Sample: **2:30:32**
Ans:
**8:12:40**
